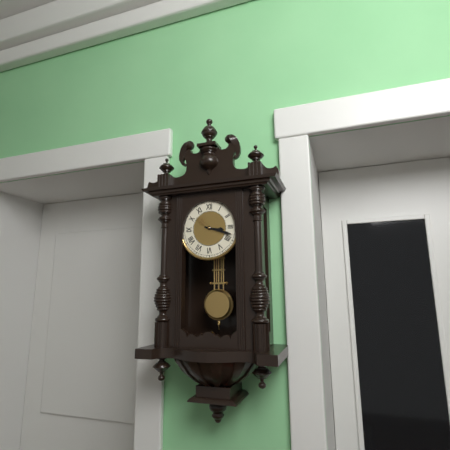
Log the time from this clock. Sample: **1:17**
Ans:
**3:18**
